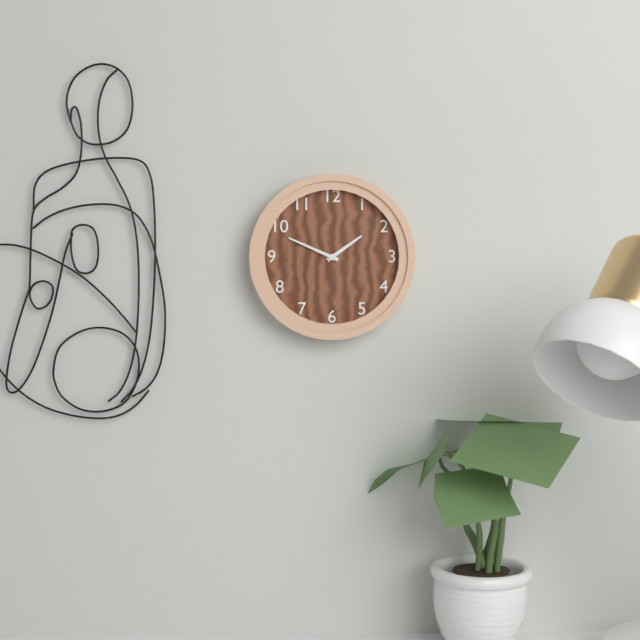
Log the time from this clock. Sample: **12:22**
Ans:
**1:49**
